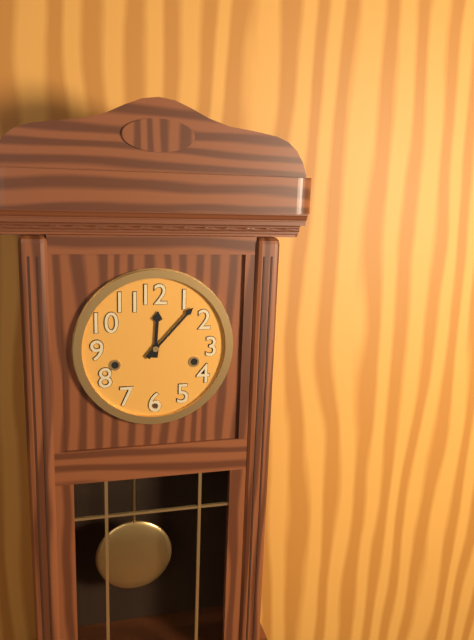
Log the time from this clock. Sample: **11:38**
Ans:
**12:07**
